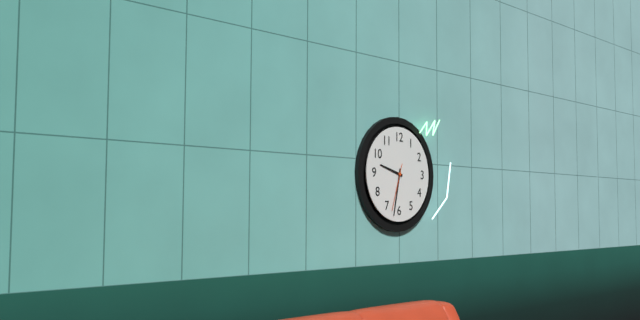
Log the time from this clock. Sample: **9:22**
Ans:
**9:32**
